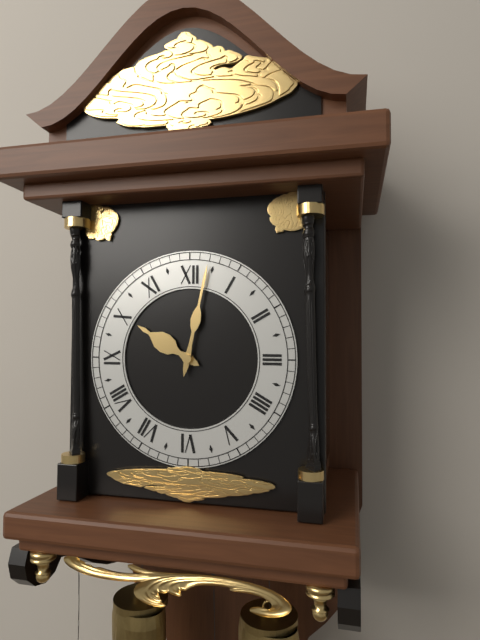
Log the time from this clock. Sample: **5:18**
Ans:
**10:02**
